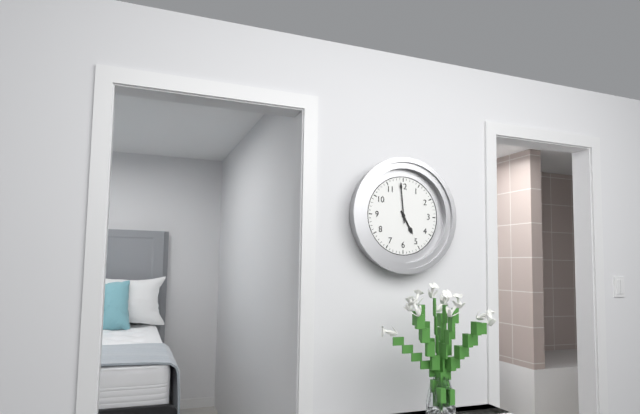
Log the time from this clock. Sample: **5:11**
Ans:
**4:59**
